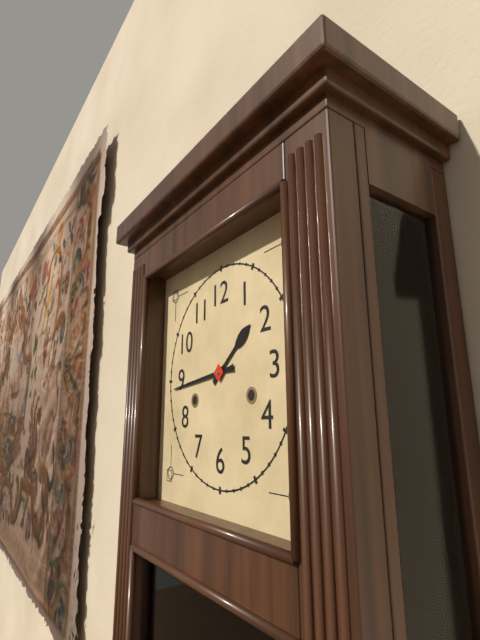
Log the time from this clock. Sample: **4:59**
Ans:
**1:44**
